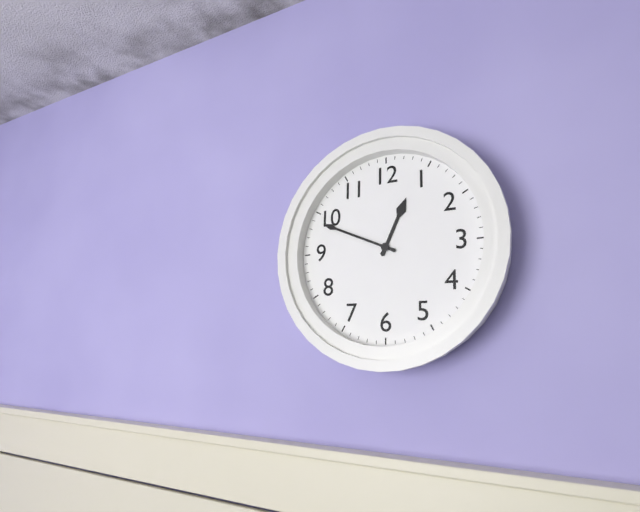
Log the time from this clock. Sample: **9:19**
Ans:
**12:49**
